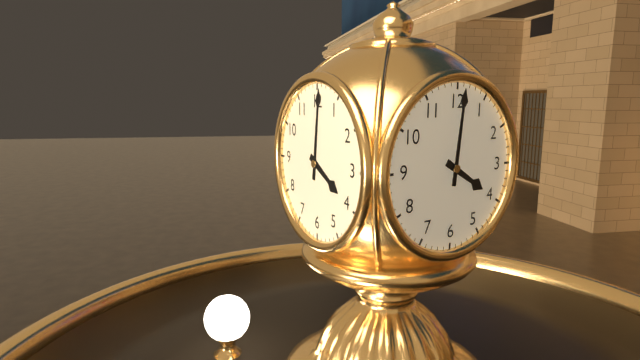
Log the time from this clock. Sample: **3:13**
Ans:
**4:01**
